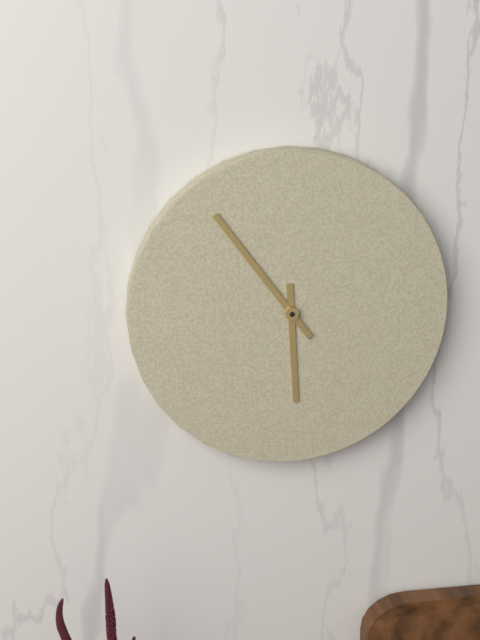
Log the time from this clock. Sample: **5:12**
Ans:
**5:54**
